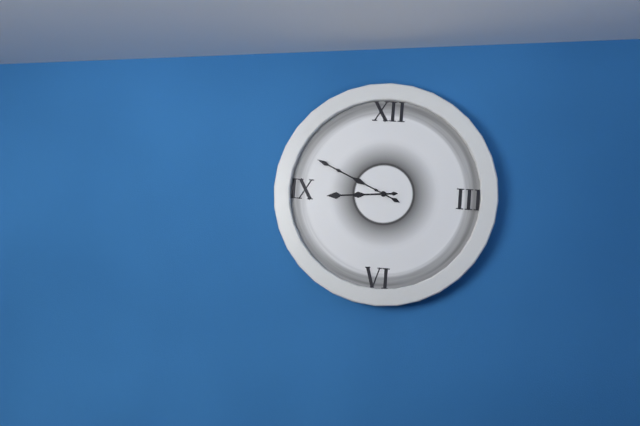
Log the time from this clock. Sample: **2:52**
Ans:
**8:49**
